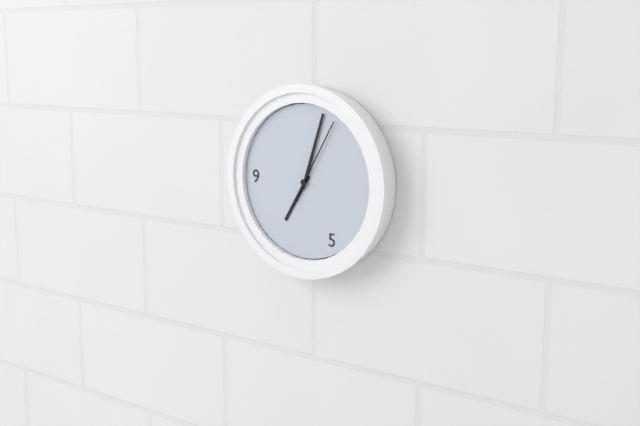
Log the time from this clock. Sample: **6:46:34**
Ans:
**7:03:05**
